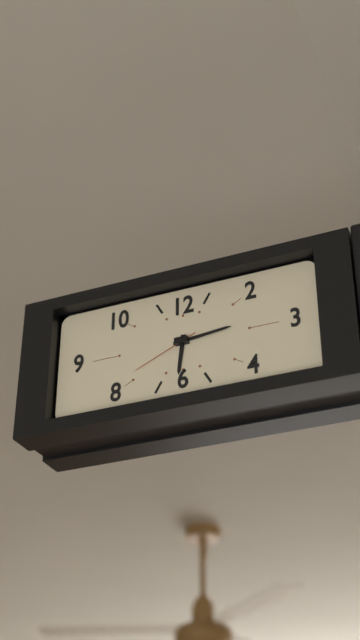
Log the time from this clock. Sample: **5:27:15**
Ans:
**6:14:41**
